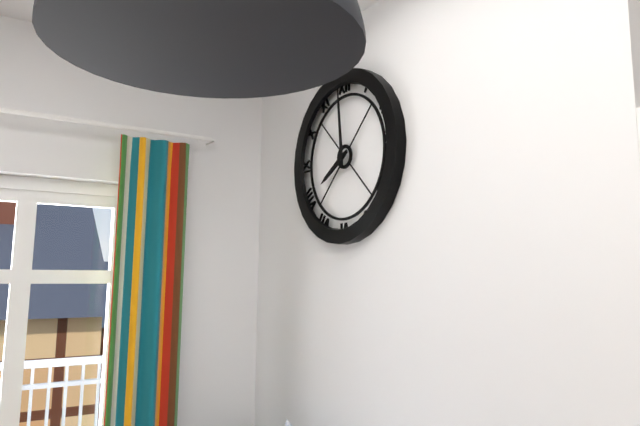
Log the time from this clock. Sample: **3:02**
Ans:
**7:59**
